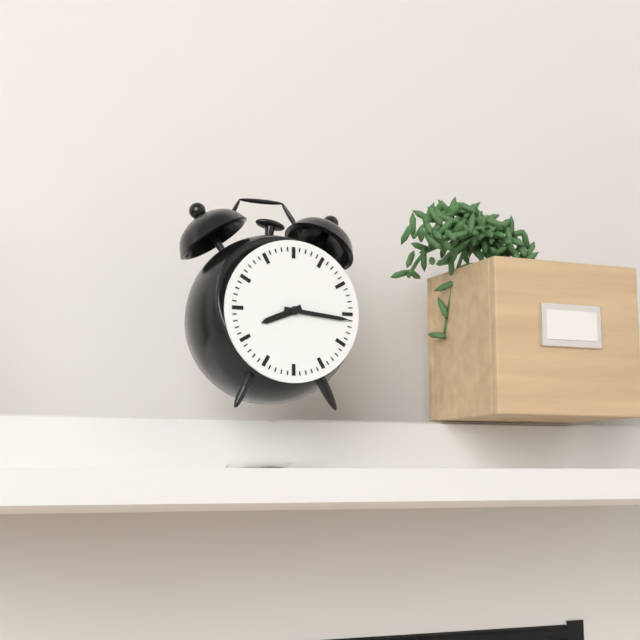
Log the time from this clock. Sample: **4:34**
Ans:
**8:16**
